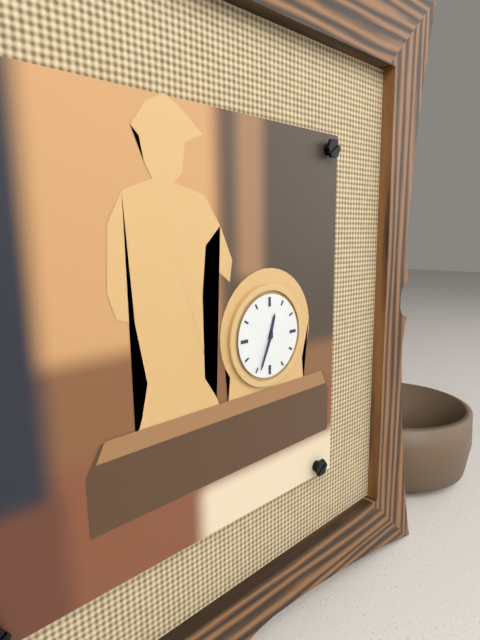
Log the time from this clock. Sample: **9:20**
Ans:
**12:34**
